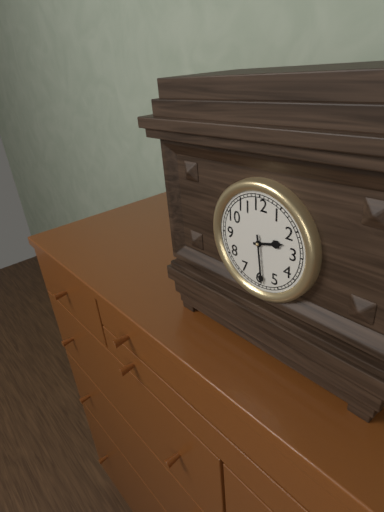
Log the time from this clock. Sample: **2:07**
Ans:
**2:29**
